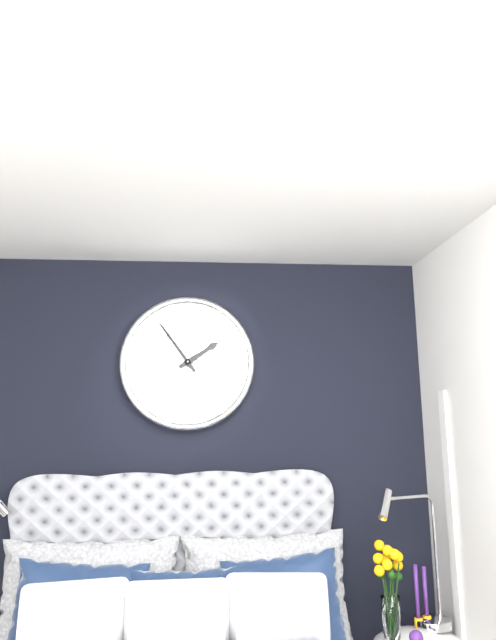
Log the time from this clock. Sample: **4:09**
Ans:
**1:54**
